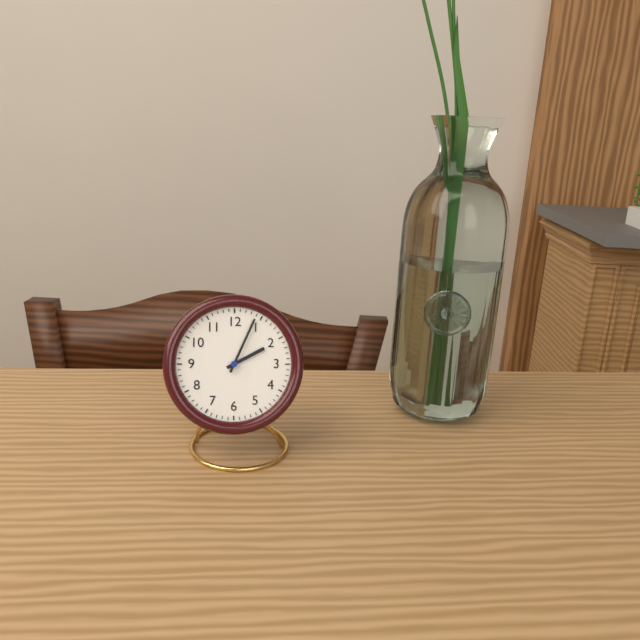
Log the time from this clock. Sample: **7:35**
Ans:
**2:04**
